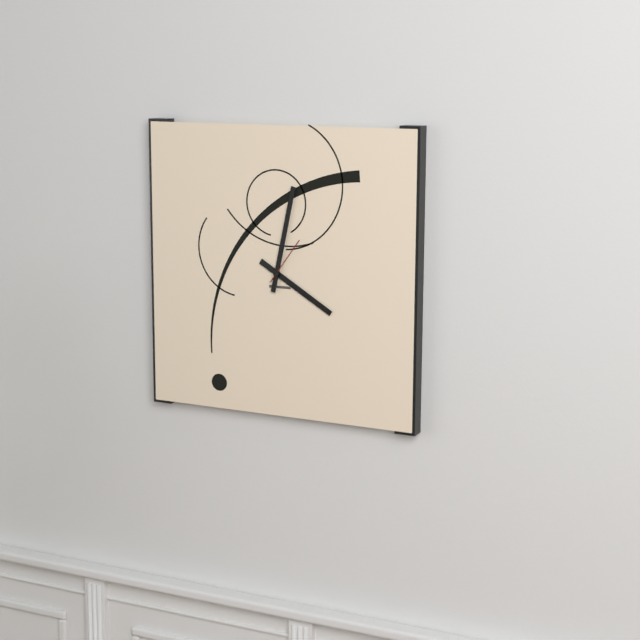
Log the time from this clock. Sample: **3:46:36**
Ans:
**4:02:06**
